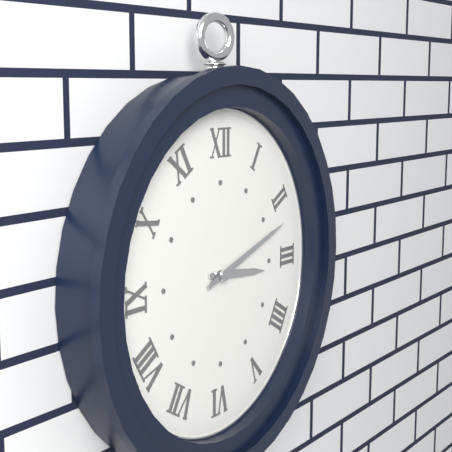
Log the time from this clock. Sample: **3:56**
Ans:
**3:12**
